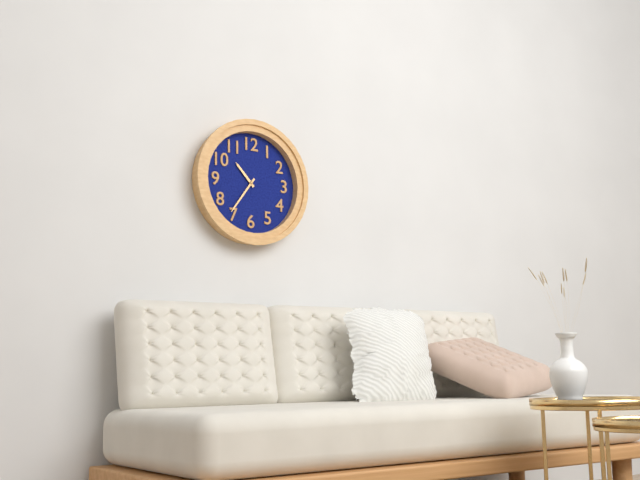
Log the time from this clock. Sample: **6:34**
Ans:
**10:36**
